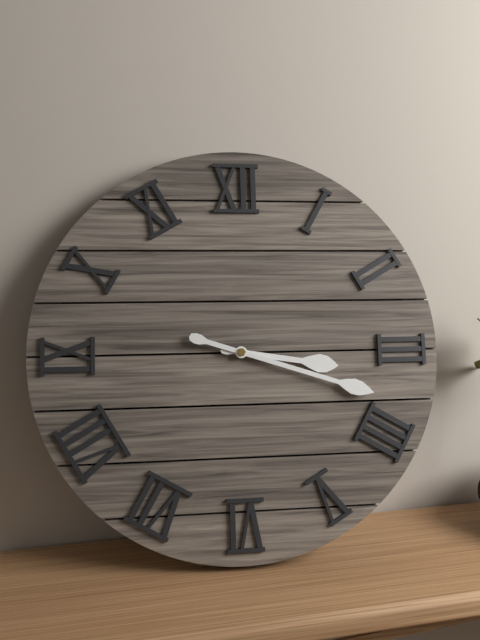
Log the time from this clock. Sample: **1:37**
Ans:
**3:18**
